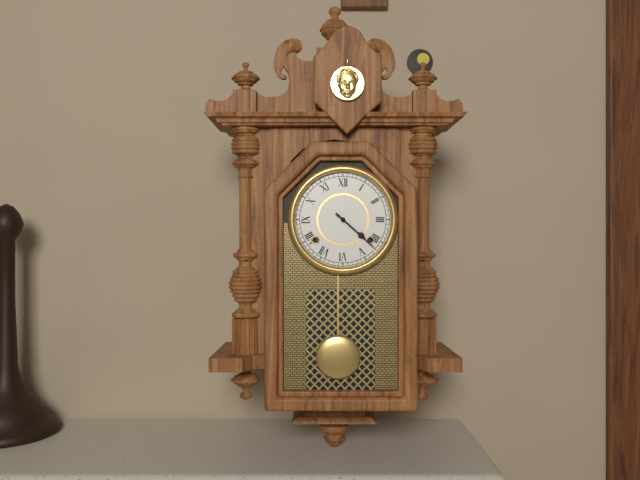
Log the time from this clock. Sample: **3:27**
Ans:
**4:22**
